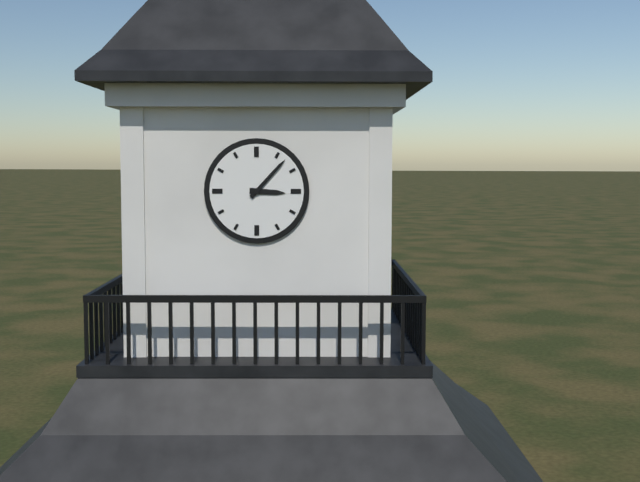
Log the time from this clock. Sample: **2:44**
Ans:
**3:07**
